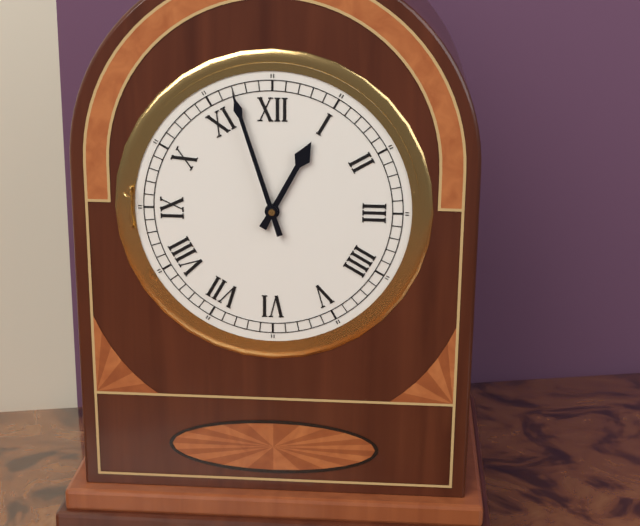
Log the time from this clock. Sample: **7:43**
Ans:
**12:57**
